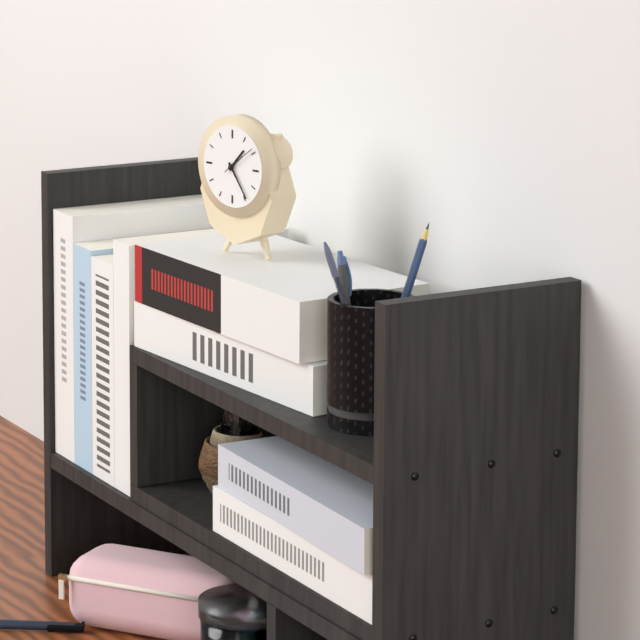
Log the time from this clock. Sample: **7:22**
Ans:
**1:24**
